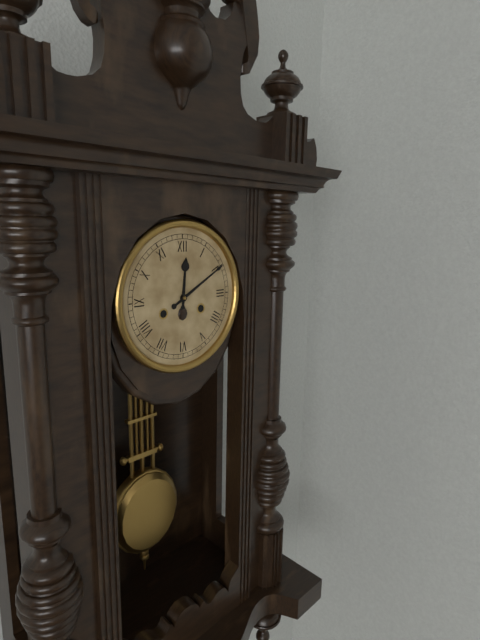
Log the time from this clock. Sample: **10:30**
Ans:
**12:10**
